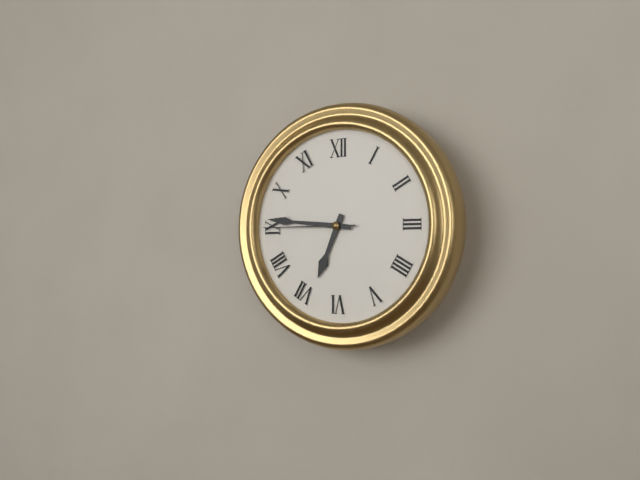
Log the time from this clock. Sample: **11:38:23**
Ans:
**6:46:45**
